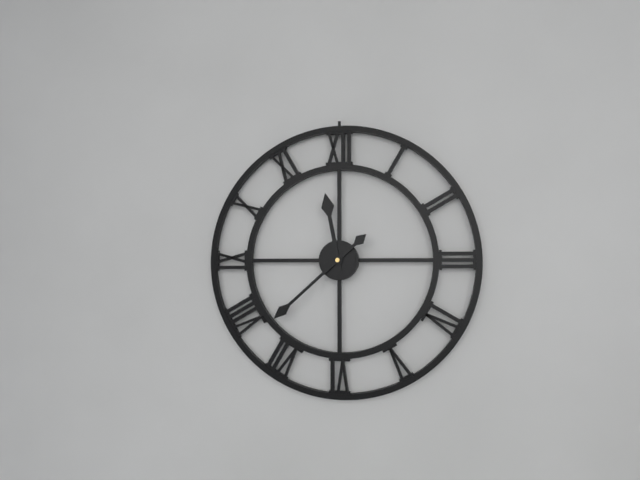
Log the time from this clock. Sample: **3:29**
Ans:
**11:38**
